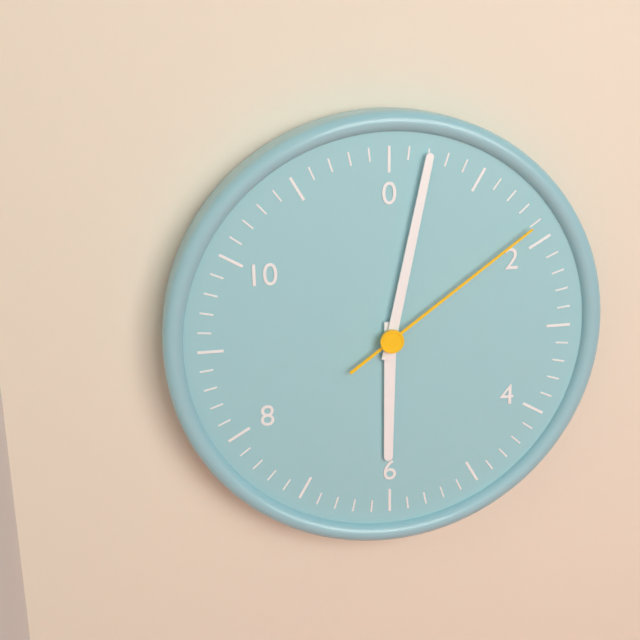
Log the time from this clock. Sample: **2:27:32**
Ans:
**6:02:09**
